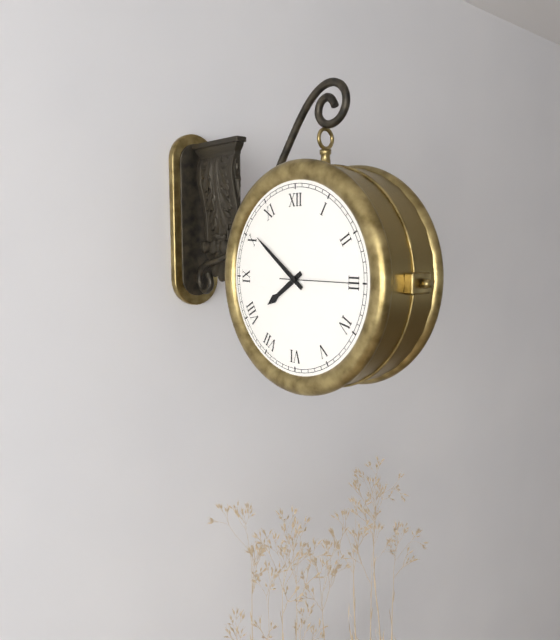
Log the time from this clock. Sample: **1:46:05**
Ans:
**7:51:15**
